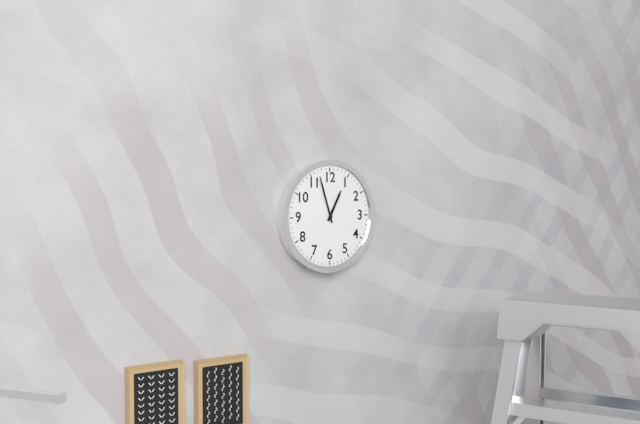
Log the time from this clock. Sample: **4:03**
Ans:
**12:57**
